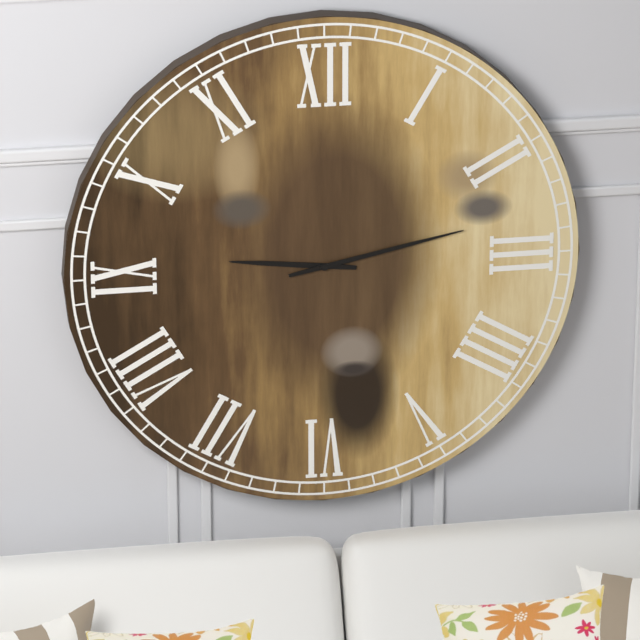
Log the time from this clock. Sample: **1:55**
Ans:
**9:13**
